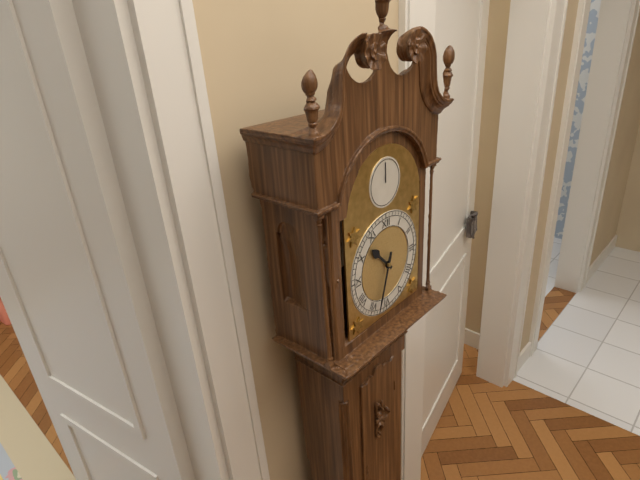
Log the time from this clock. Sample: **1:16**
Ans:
**10:33**
